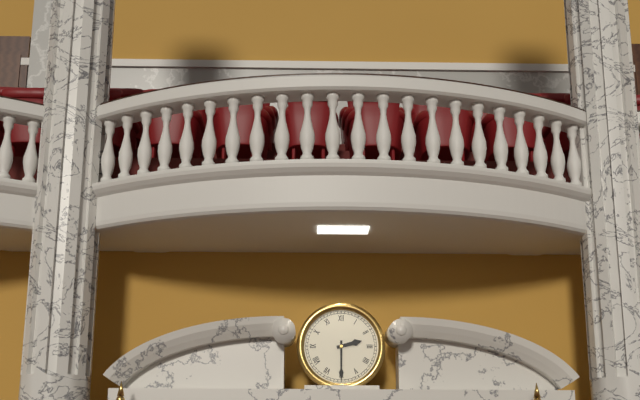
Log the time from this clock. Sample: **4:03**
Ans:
**2:30**
